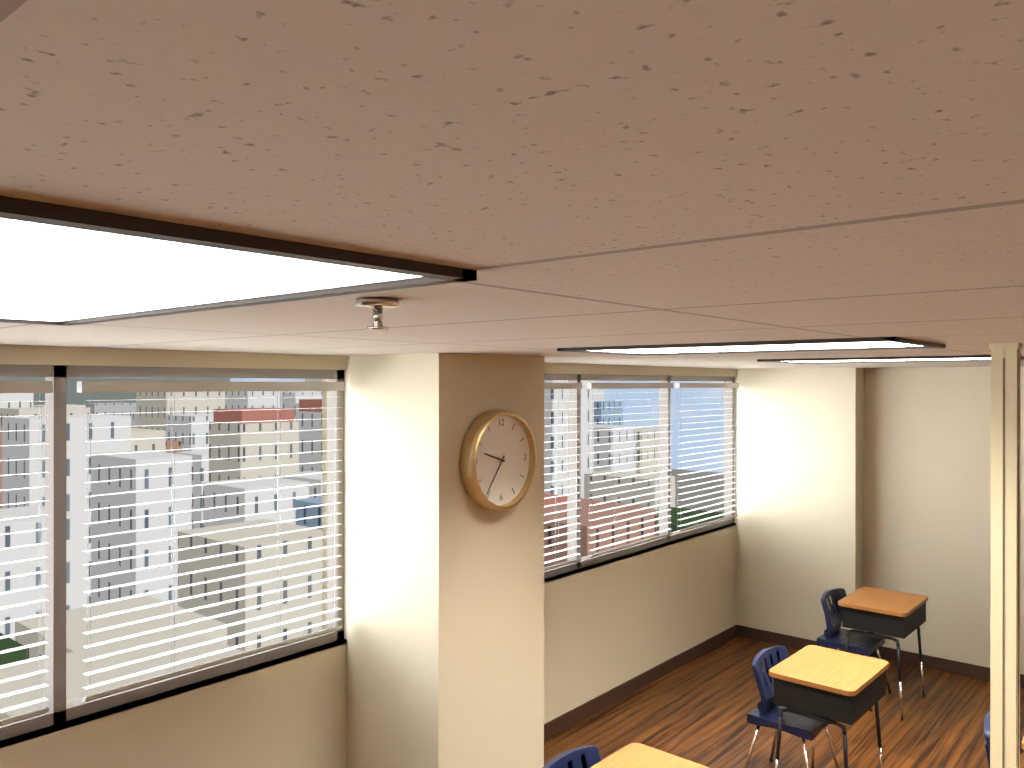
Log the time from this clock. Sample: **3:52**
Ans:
**9:36**
